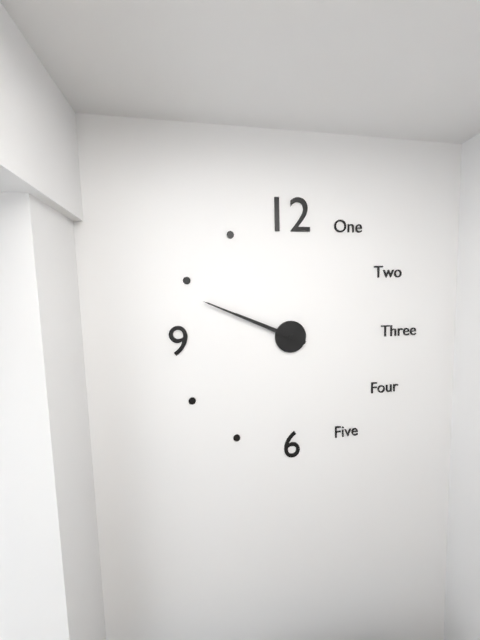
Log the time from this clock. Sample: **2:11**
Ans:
**9:49**
